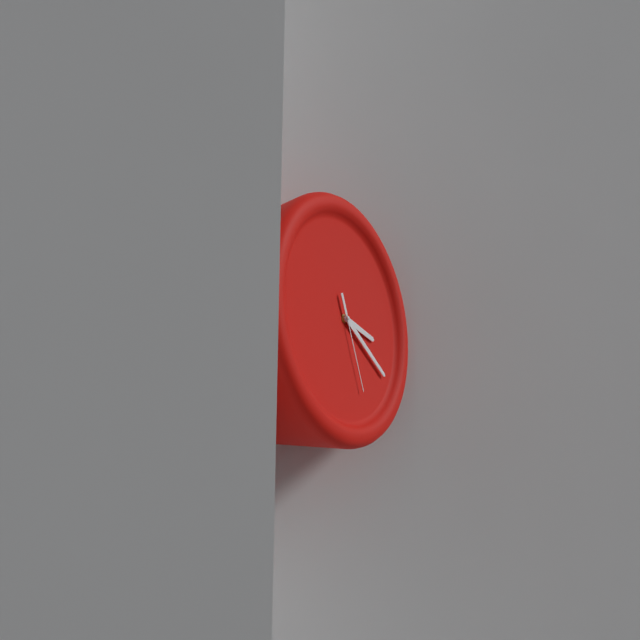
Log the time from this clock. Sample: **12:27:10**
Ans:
**3:20:26**
